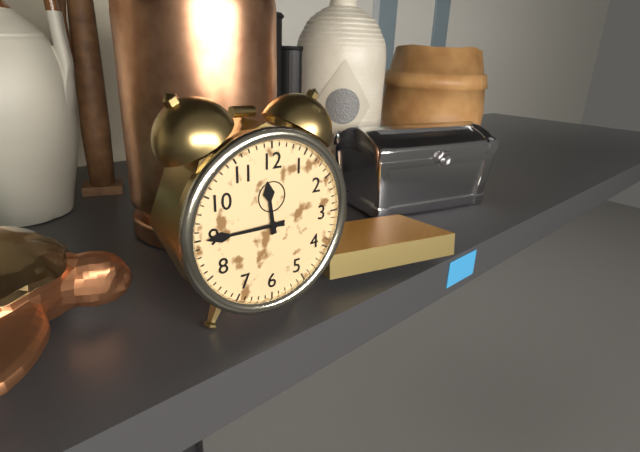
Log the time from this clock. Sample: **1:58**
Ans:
**11:45**
